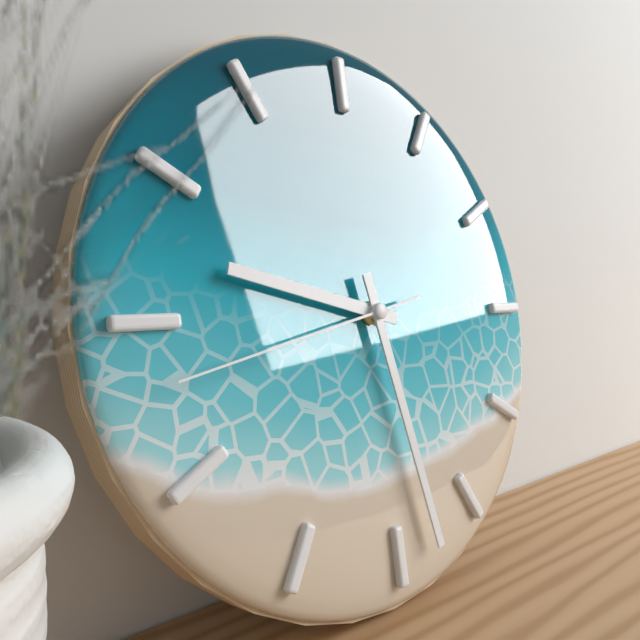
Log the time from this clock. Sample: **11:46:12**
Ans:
**9:28:43**
